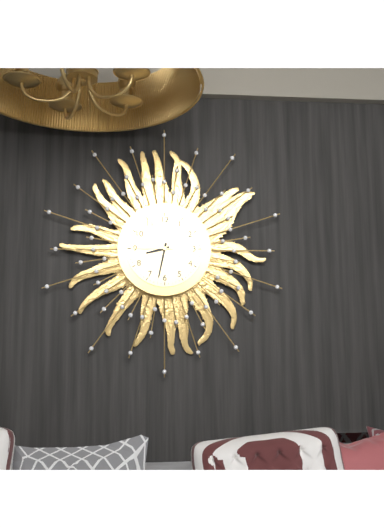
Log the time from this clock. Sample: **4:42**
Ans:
**8:32**
